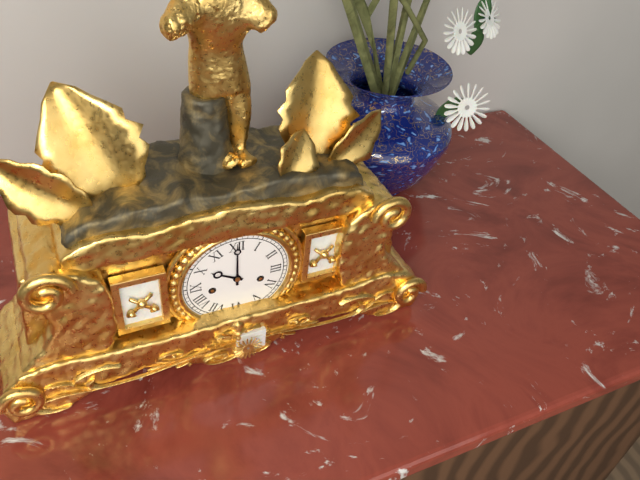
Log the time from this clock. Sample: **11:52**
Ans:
**10:00**
